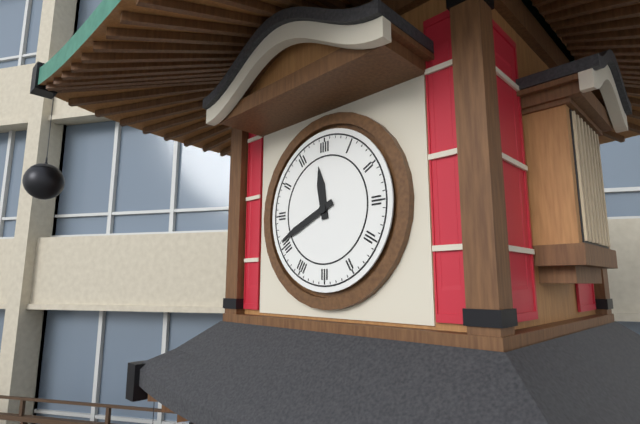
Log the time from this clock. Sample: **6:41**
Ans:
**11:41**
